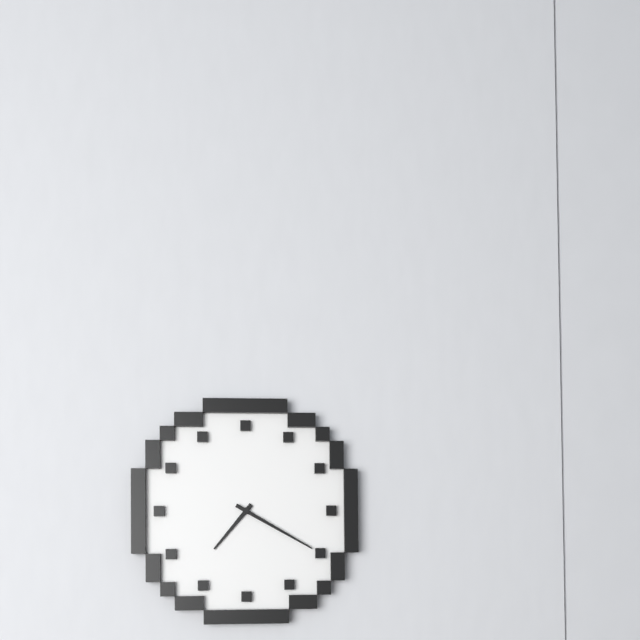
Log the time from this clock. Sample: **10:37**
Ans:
**7:20**
